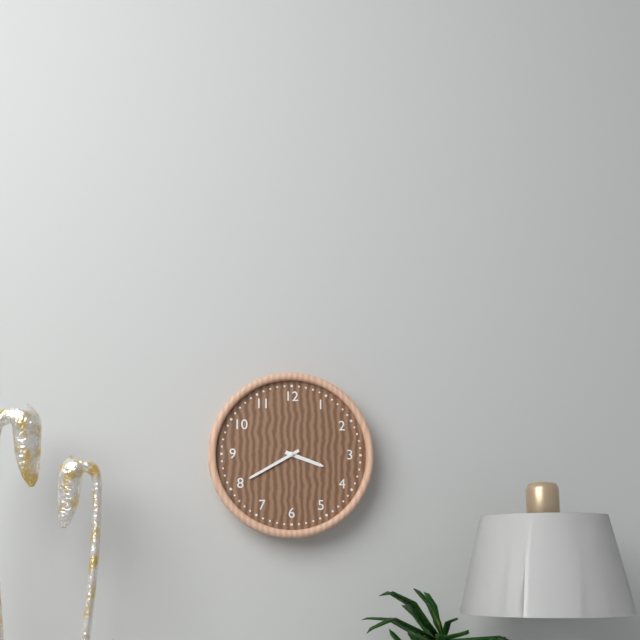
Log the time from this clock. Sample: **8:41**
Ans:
**3:40**
